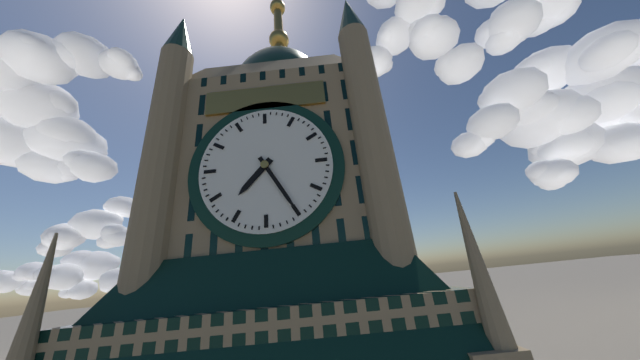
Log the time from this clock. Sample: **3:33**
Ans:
**7:25**
